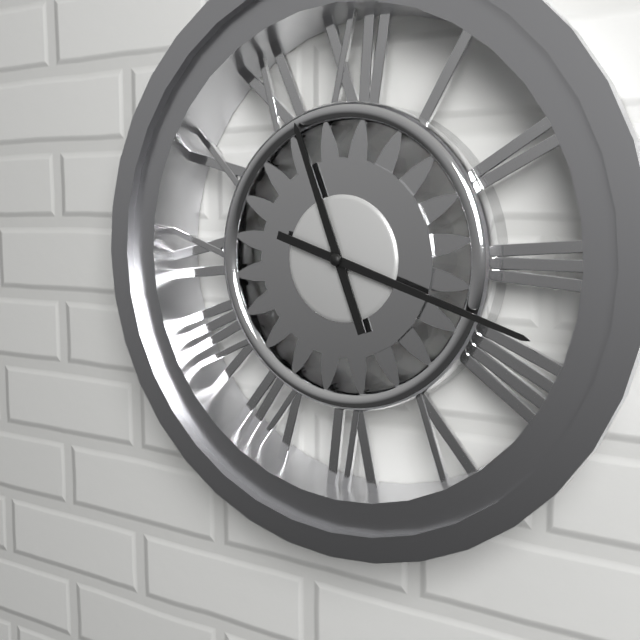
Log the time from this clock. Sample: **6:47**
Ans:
**11:18**
